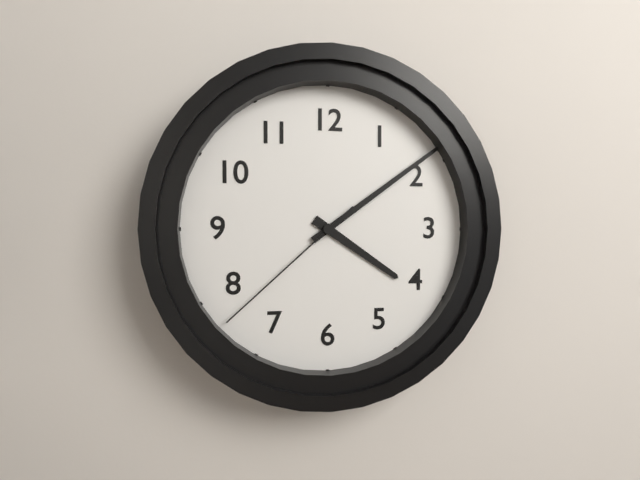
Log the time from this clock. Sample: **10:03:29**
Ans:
**4:09:38**
